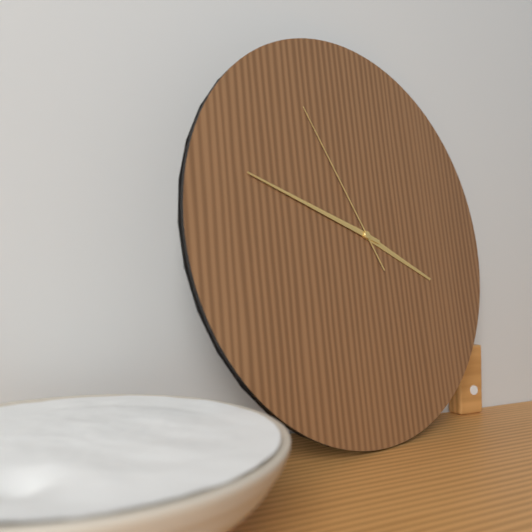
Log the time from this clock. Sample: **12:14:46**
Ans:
**3:48:55**
